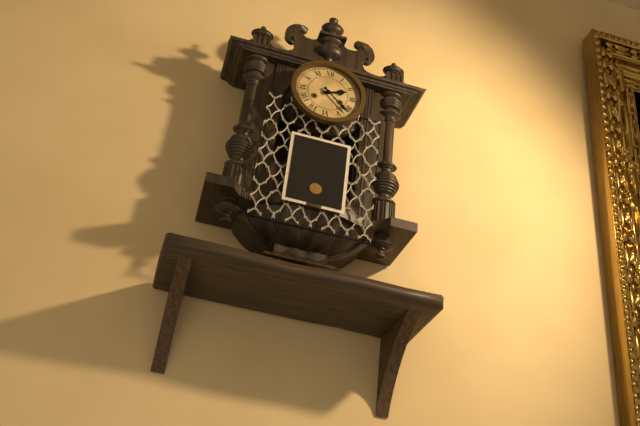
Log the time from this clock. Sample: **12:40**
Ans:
**2:22**
